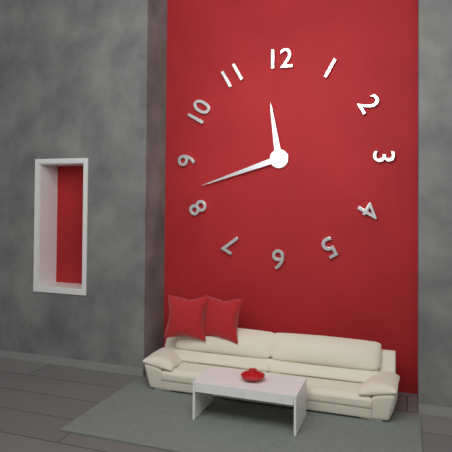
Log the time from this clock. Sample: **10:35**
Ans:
**11:42**
